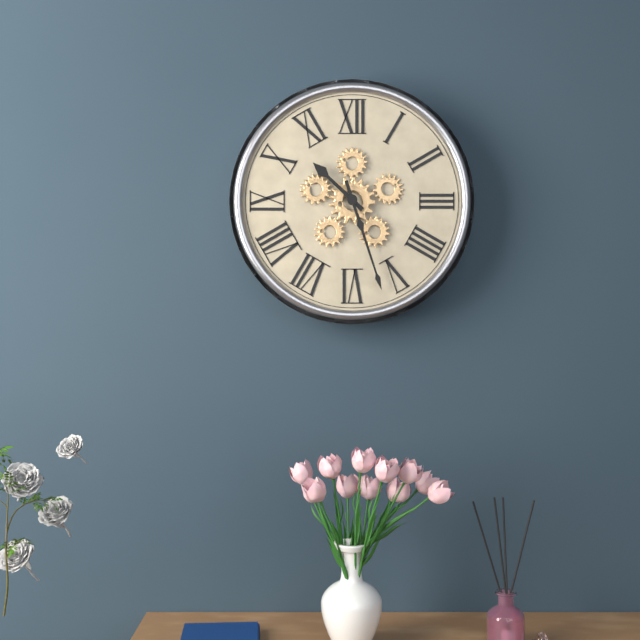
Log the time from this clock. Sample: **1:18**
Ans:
**10:27**
